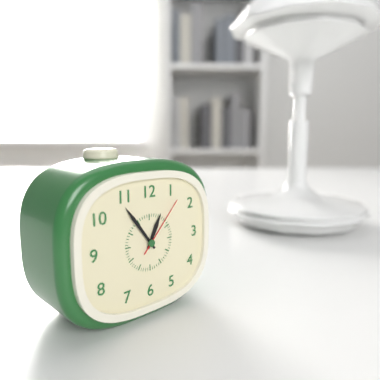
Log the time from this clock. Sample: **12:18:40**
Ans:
**12:54:07**
